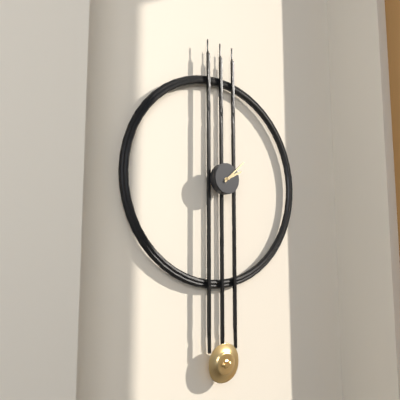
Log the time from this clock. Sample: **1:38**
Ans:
**2:08**
